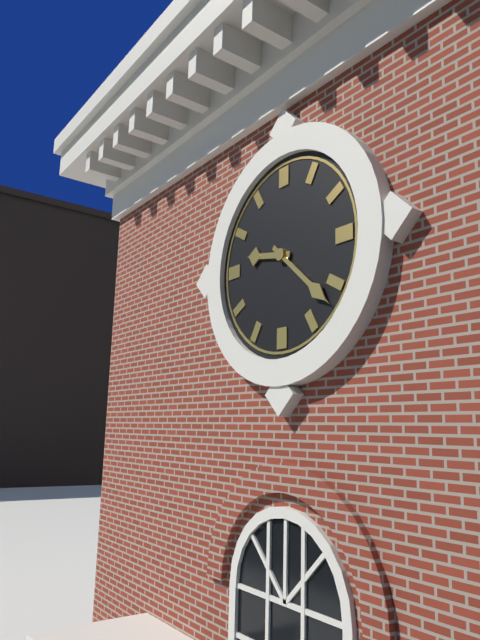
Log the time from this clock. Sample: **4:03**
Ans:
**9:22**
